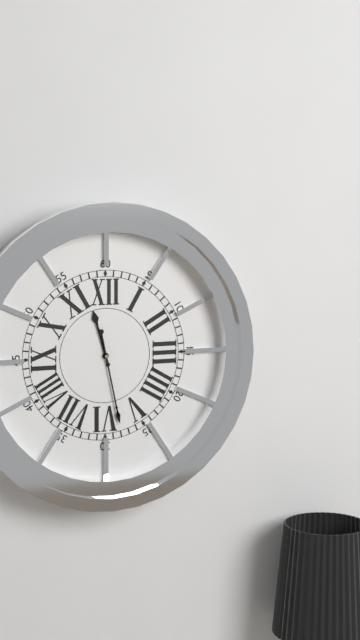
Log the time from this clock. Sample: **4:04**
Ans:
**11:28**
